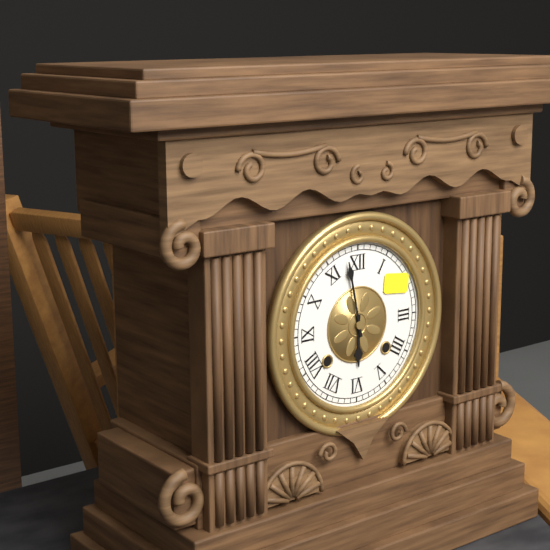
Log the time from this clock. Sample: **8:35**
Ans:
**5:58**
